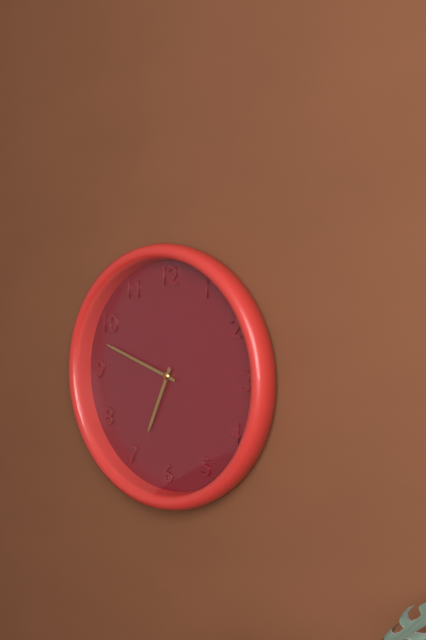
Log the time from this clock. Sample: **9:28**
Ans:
**6:48**
